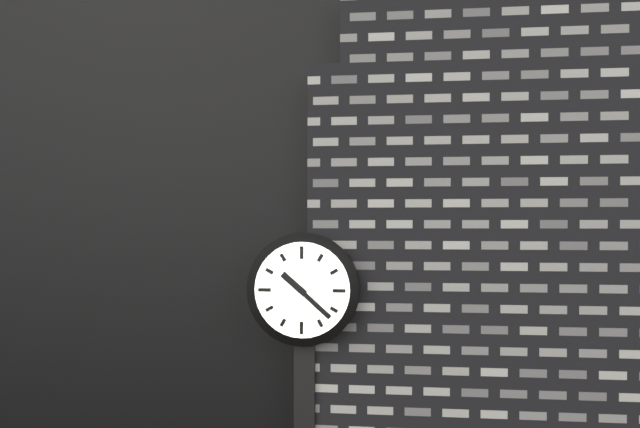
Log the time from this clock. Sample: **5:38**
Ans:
**10:22**
